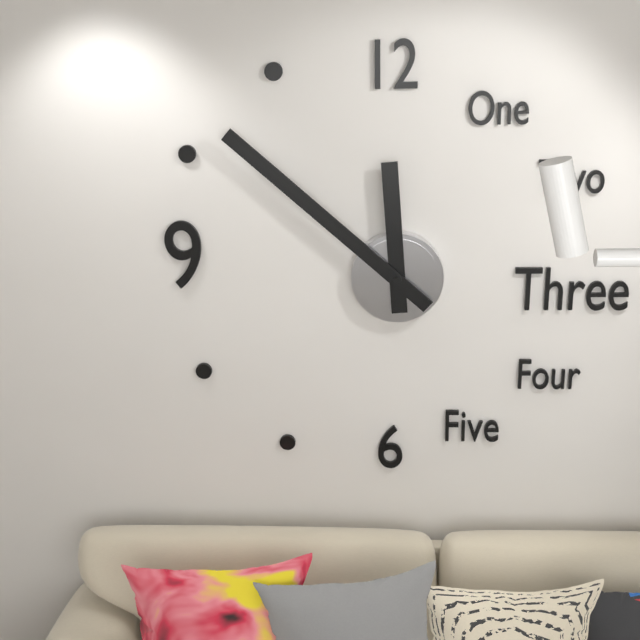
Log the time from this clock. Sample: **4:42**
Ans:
**11:52**
